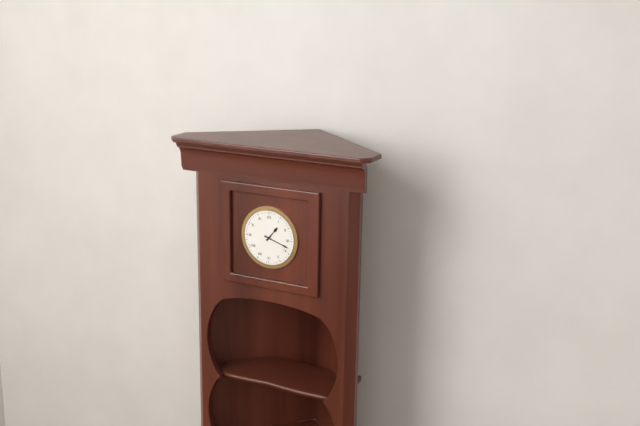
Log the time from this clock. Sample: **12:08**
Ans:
**1:18**
